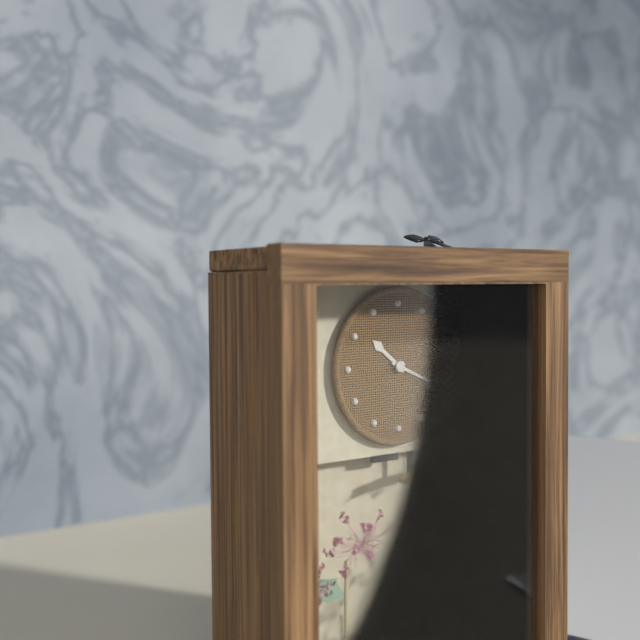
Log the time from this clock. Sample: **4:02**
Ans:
**10:19**
